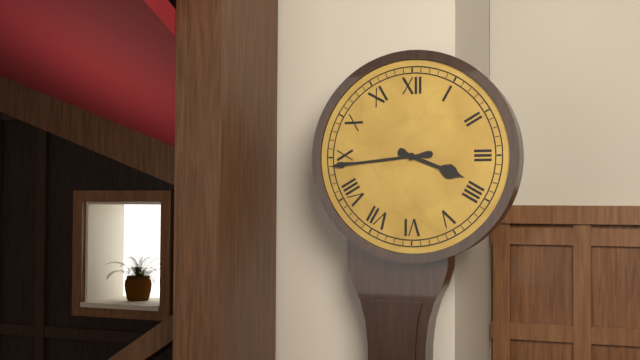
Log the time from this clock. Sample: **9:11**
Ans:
**3:44**
